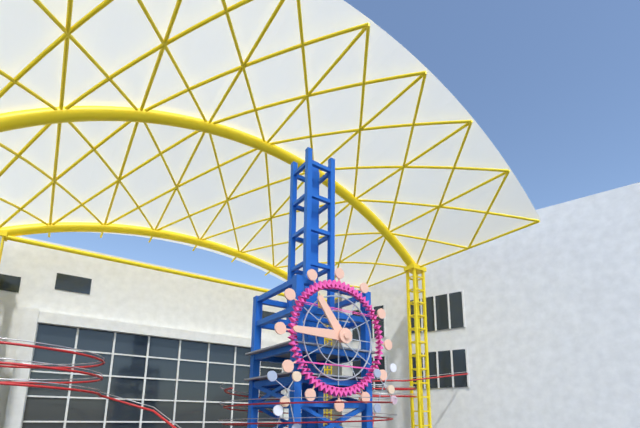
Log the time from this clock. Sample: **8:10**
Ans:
**10:45**
